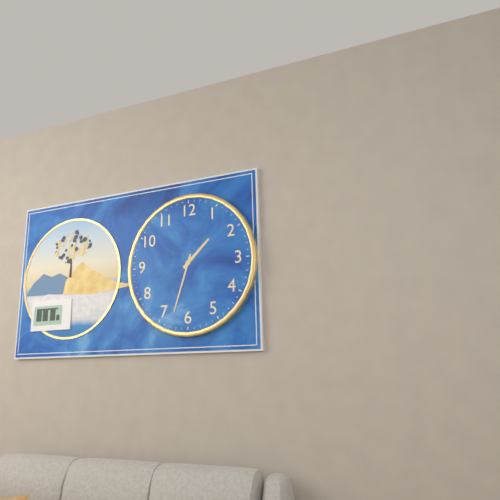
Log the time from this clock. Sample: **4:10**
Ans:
**1:33**
